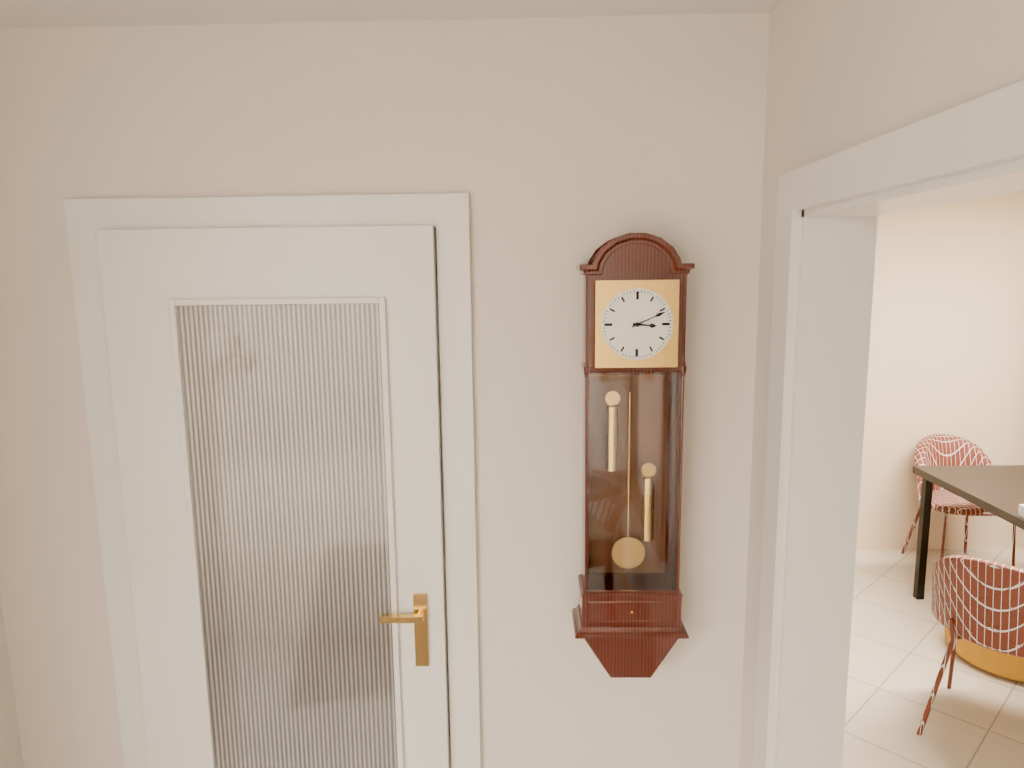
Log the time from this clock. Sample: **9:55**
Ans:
**3:11**
